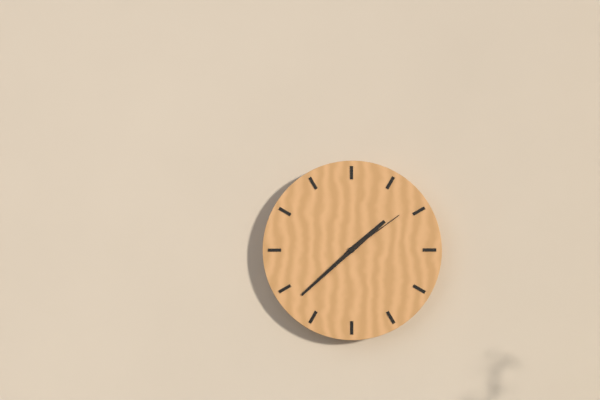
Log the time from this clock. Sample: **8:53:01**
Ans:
**1:38:09**
